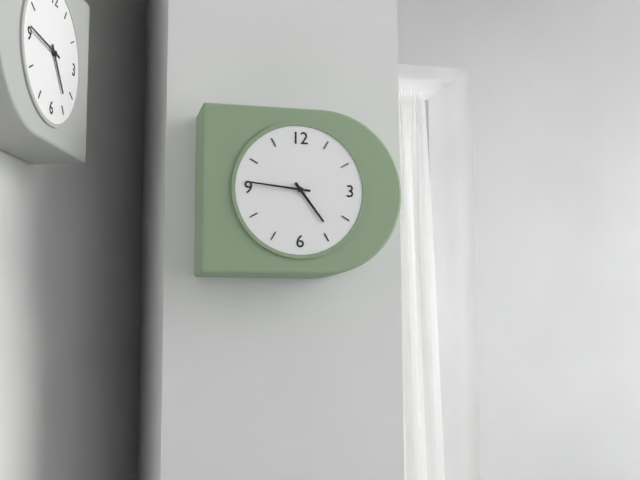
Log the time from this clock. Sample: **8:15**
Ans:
**4:46**
